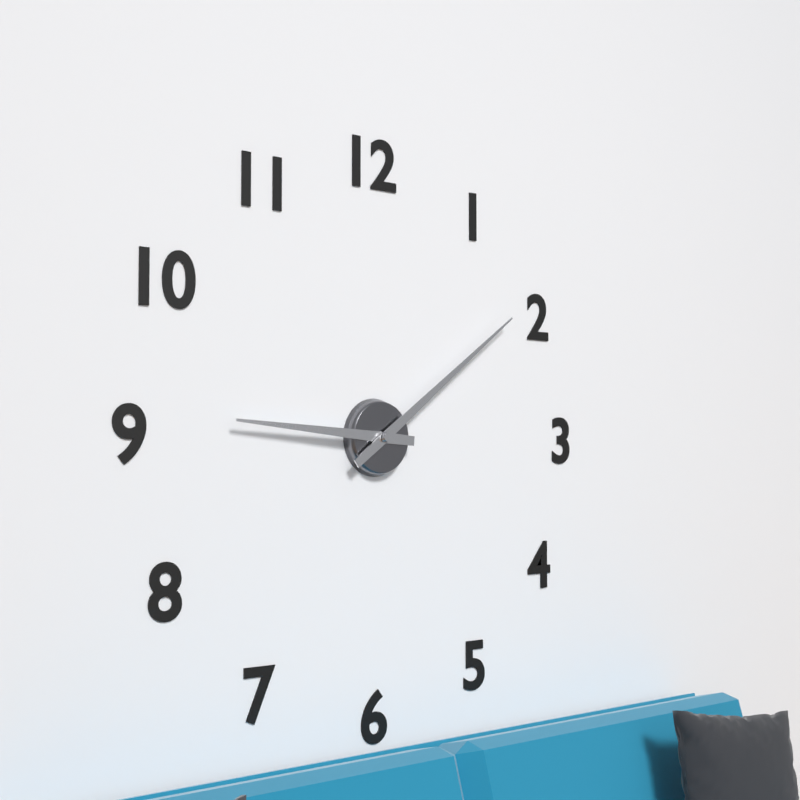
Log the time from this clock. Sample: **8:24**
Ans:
**9:09**
